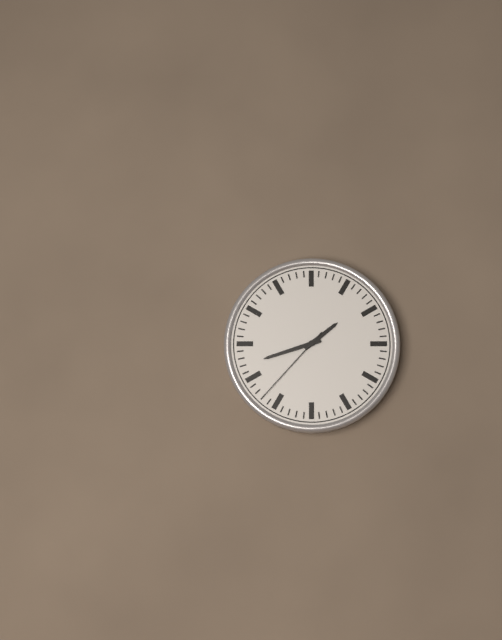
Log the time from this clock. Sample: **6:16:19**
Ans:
**1:42:37**
